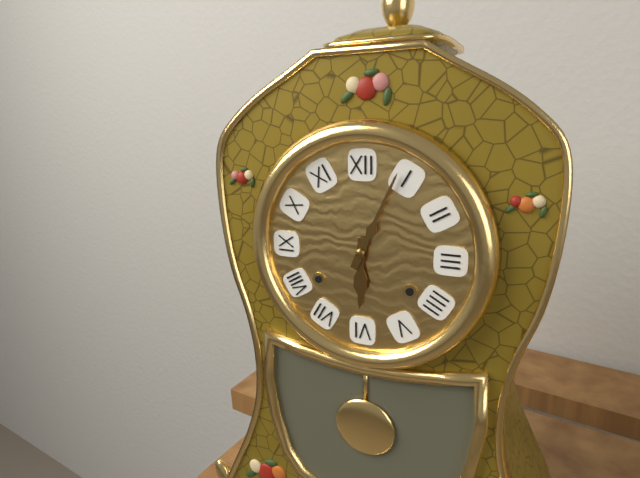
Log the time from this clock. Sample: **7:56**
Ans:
**6:04**
